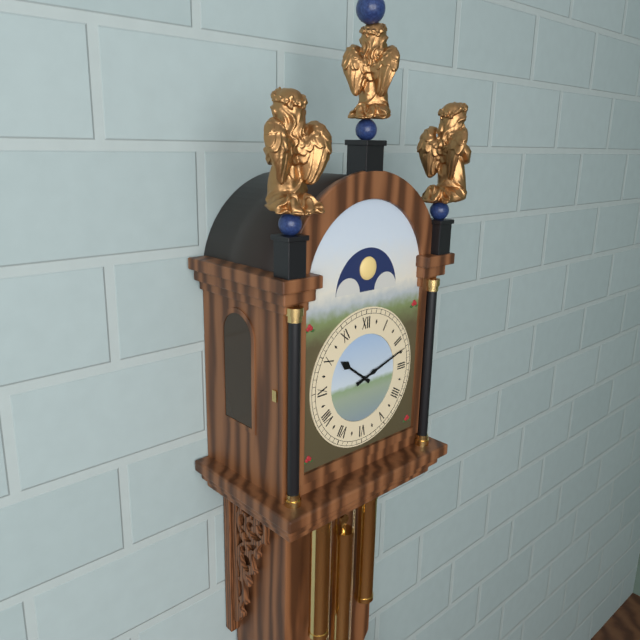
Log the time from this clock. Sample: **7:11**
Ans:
**10:12**
